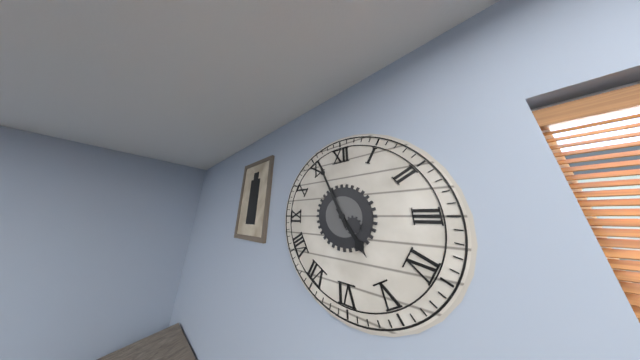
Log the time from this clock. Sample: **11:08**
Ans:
**4:56**
